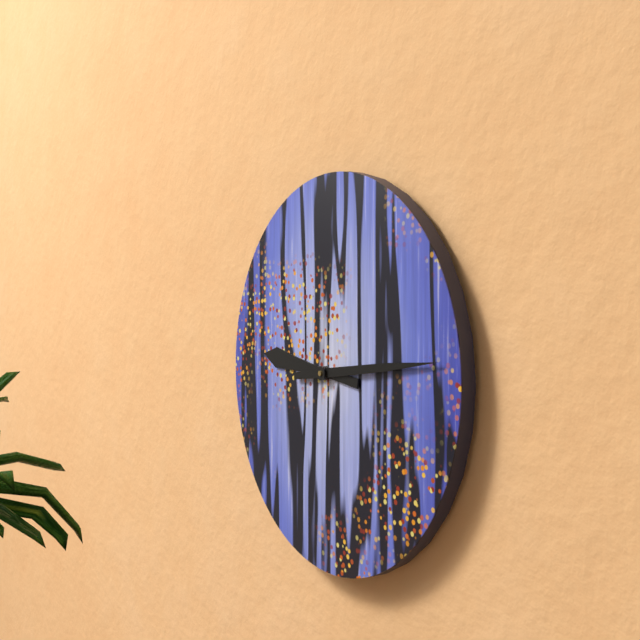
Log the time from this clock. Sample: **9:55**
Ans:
**9:14**
